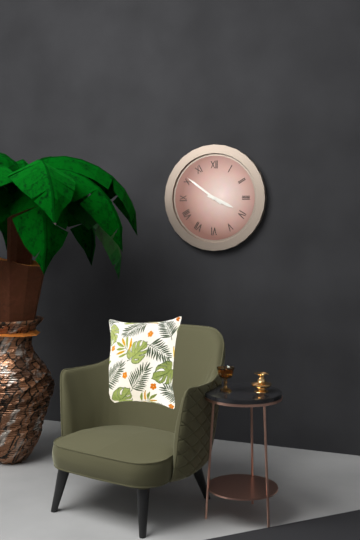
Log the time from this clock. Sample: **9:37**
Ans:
**3:51**
